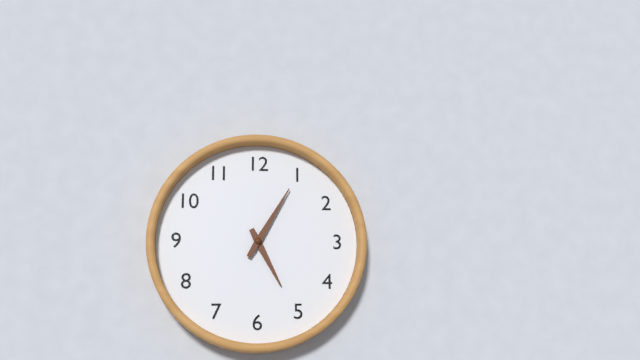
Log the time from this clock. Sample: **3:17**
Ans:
**5:05**
